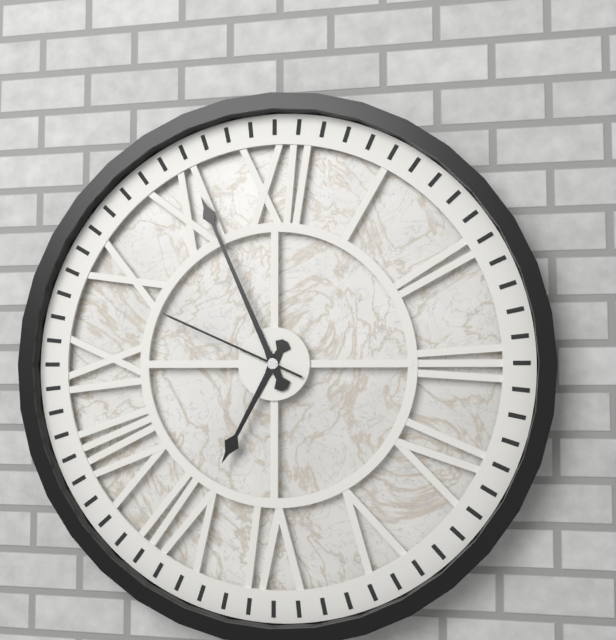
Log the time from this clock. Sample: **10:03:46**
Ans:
**6:56:49**
